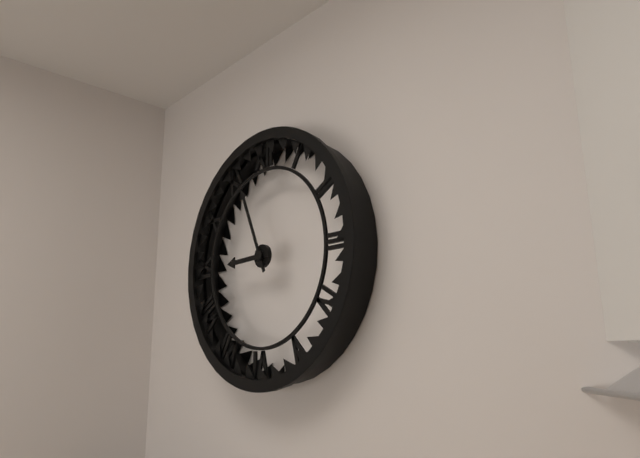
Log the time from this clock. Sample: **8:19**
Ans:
**8:56**
